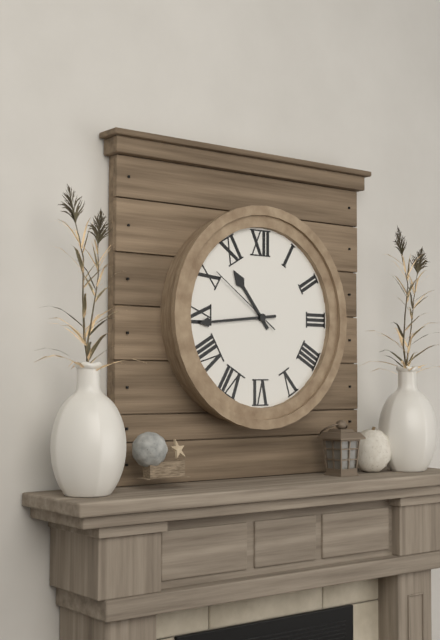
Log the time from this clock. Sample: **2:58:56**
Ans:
**10:44:51**
